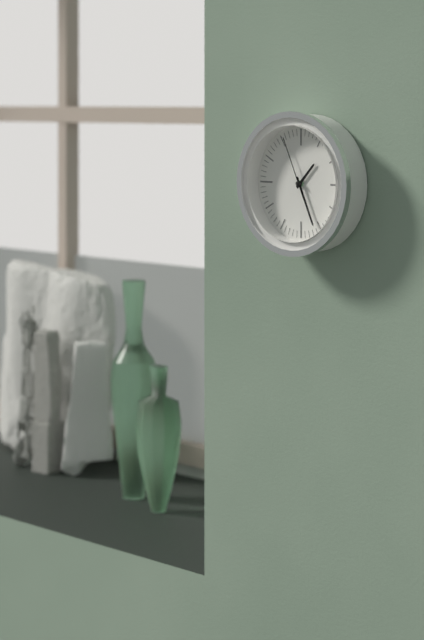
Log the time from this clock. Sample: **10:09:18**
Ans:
**1:26:56**
